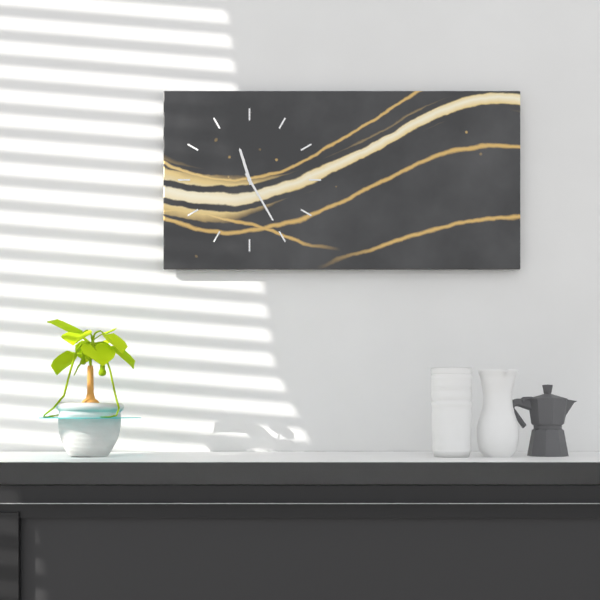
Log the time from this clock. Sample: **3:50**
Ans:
**11:25**
